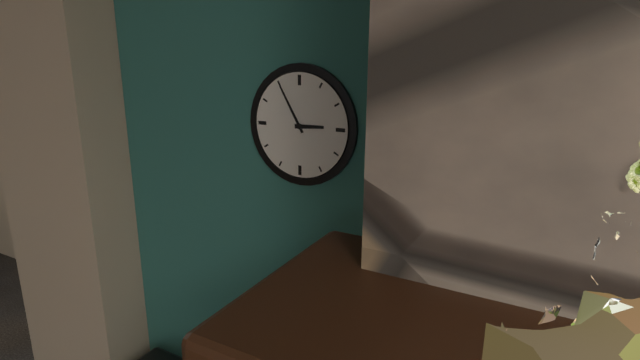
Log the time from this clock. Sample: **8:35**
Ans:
**2:55**
